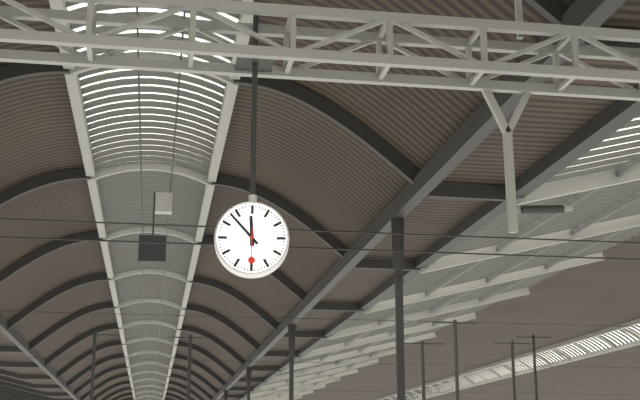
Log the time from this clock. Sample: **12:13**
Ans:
**11:53**
